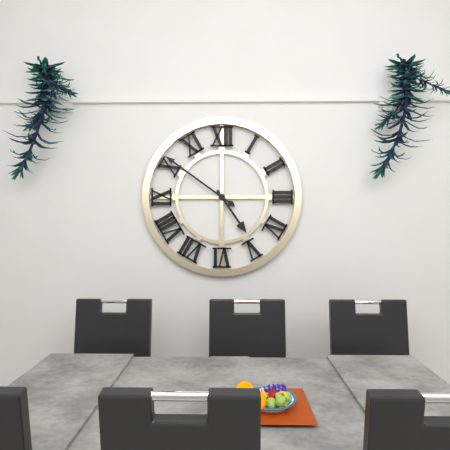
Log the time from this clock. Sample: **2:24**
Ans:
**4:51**
